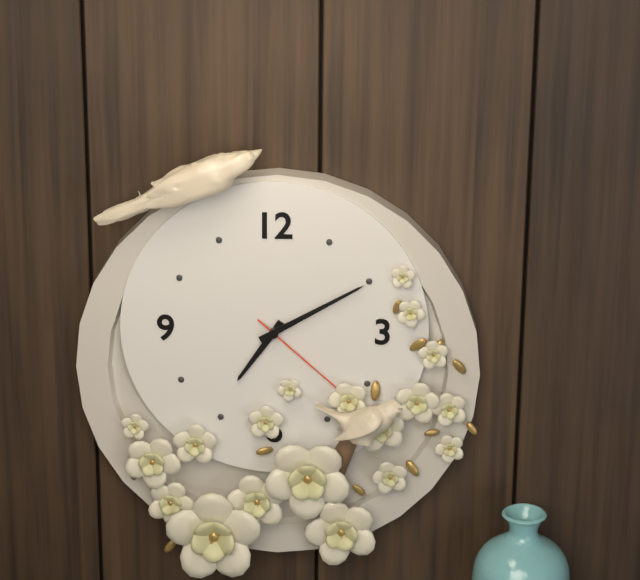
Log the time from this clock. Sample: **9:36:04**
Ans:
**7:10:22**
